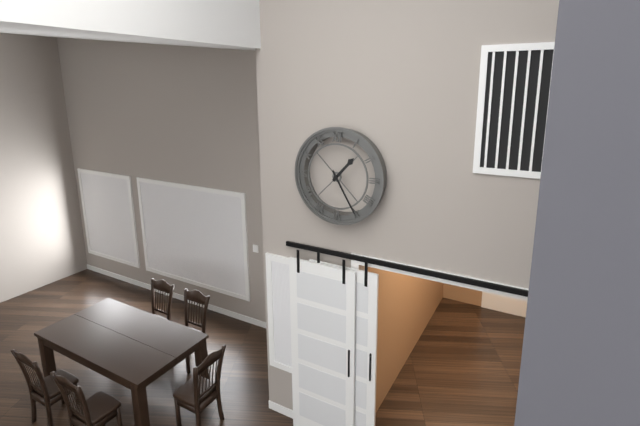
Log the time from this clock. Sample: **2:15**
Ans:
**1:25**
